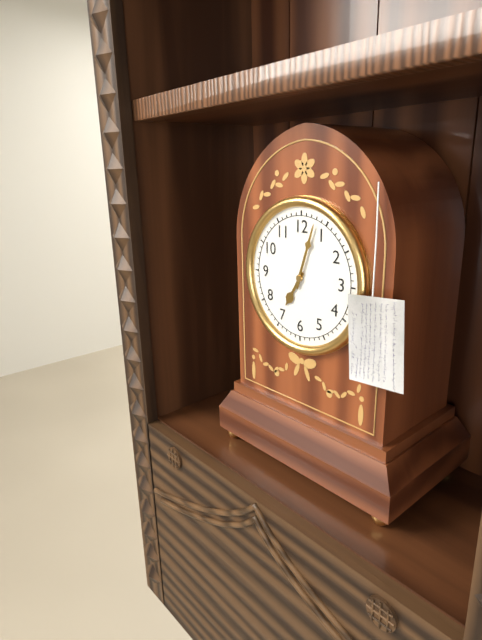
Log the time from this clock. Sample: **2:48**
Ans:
**7:03**
